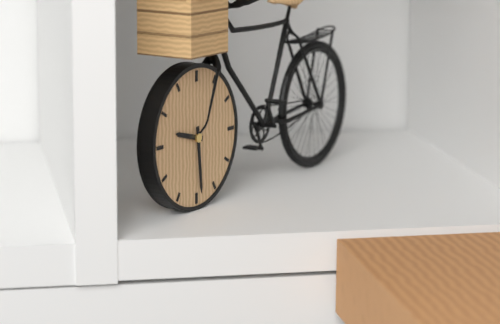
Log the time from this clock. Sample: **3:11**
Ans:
**9:29**
